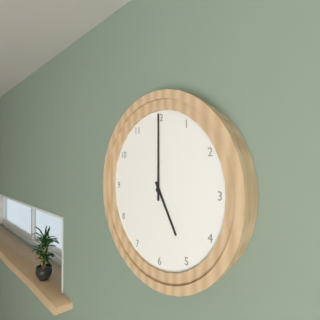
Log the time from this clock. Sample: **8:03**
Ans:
**5:00**
